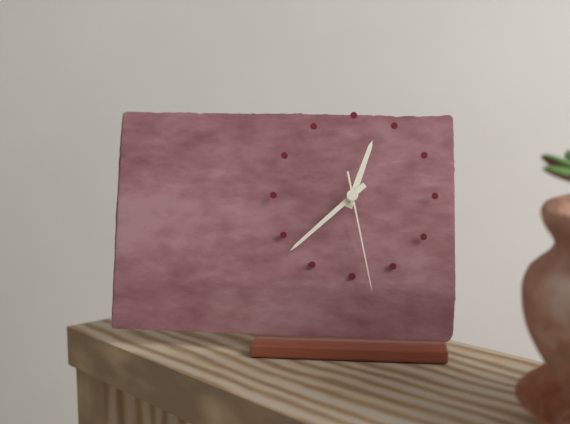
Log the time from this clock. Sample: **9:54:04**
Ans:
**12:38:28**
